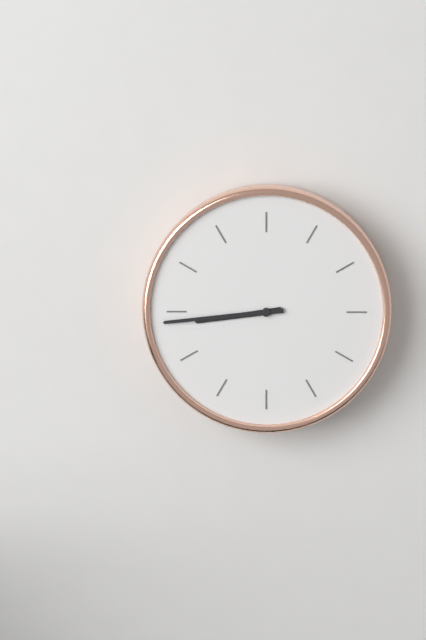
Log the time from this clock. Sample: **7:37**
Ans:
**8:44**
